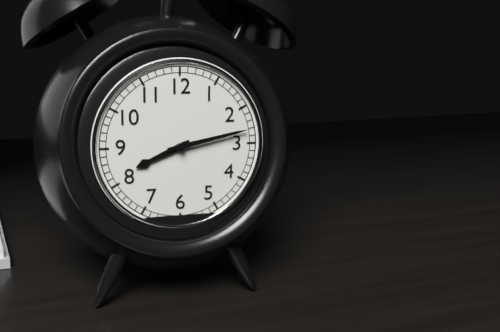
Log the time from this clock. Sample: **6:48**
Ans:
**8:13**
